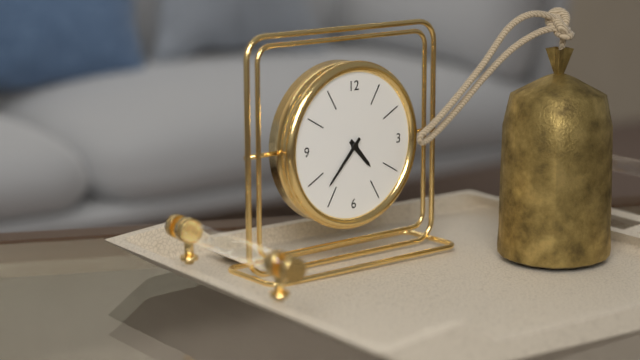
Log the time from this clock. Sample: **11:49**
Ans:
**4:37**
